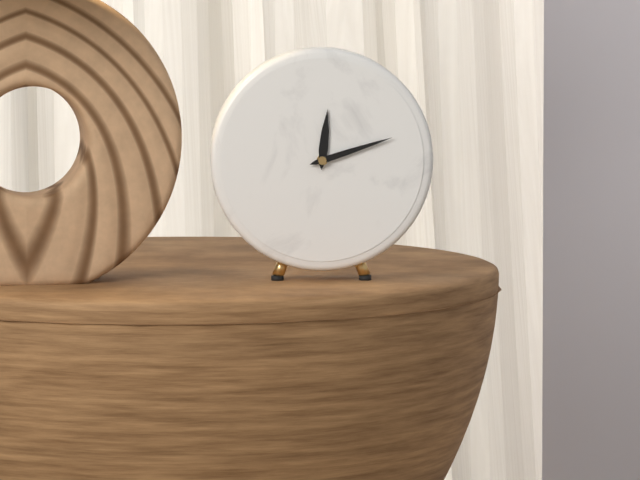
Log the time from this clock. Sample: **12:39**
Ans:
**12:12**
